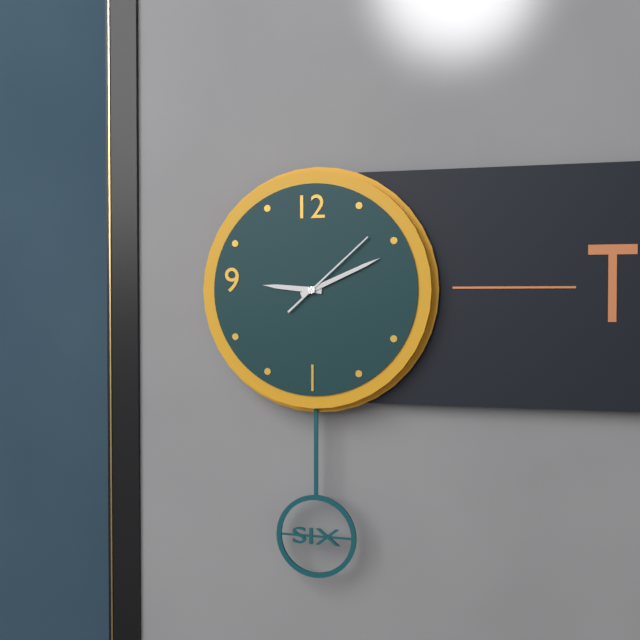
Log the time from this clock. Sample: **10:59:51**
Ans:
**9:11:08**
